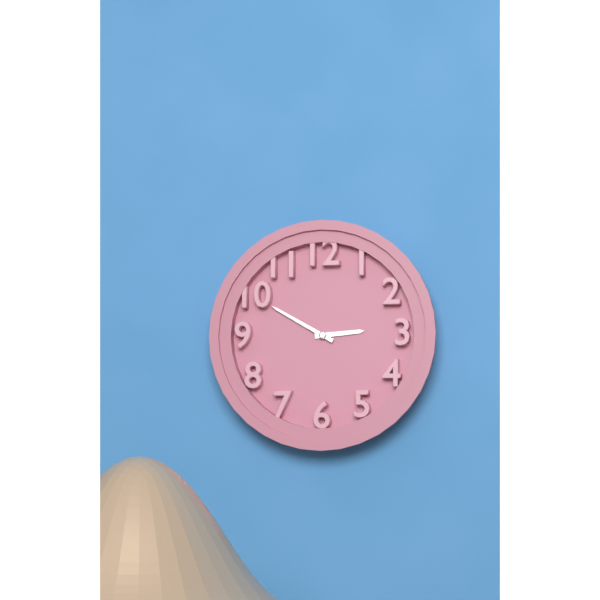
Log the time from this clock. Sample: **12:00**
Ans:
**2:50**
